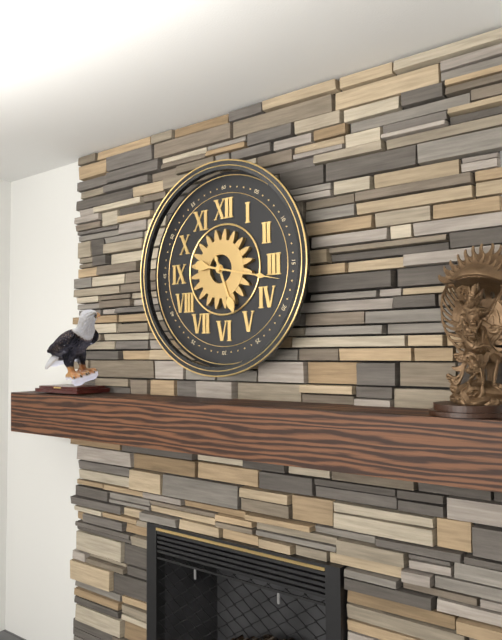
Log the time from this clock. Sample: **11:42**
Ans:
**5:17**
